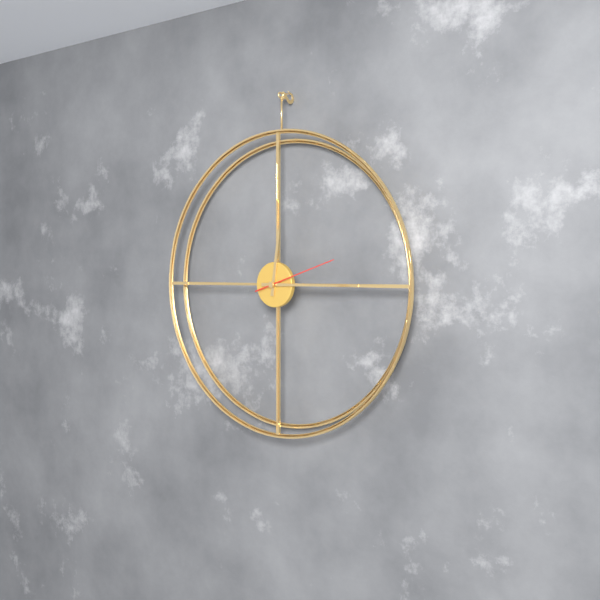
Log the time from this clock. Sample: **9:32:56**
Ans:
**12:15:12**
